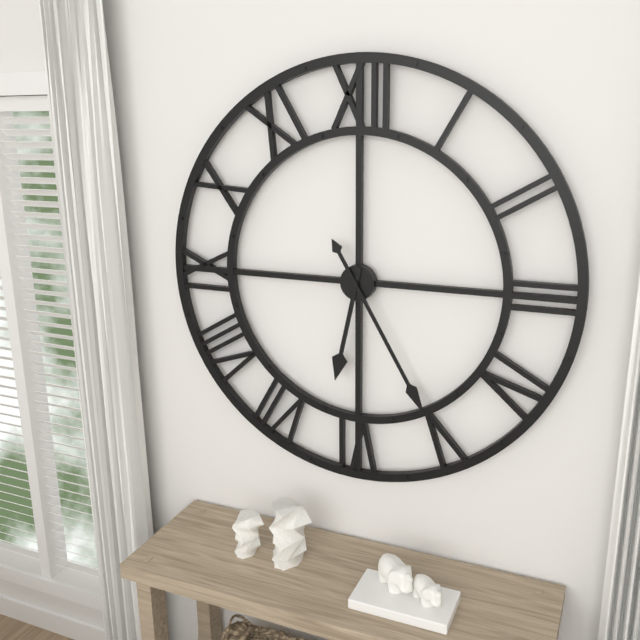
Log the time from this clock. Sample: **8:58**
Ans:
**6:25**
